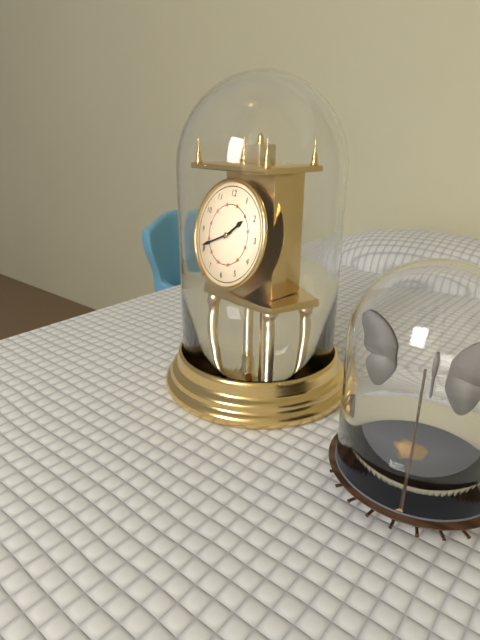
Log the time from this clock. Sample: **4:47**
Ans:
**1:41**
